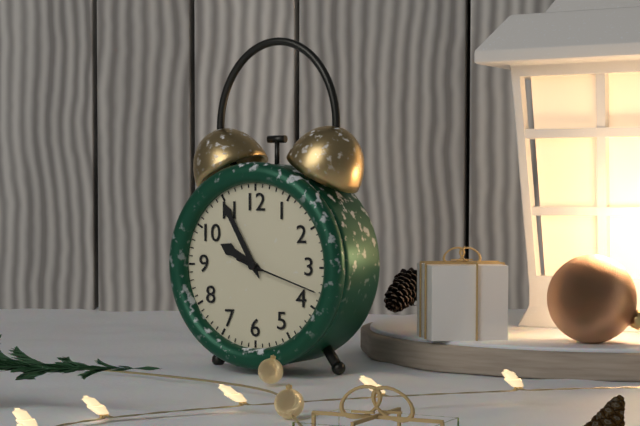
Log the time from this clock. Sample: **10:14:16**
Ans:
**9:55:18**
